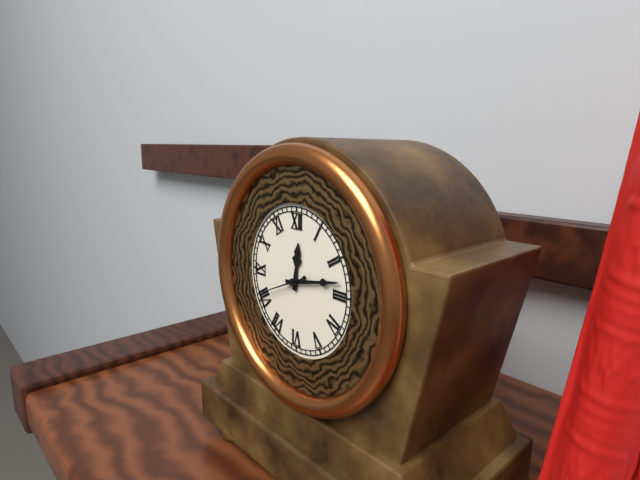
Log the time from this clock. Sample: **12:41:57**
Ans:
**12:13:41**
